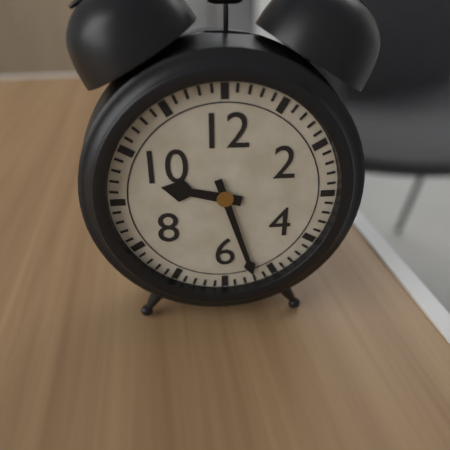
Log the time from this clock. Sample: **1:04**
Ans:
**9:27**
